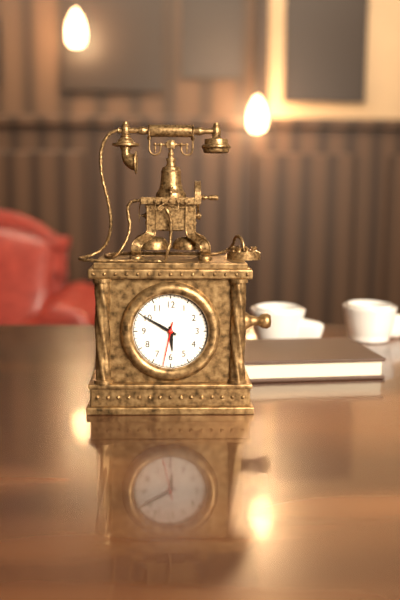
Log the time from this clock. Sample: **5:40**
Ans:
**5:50**
